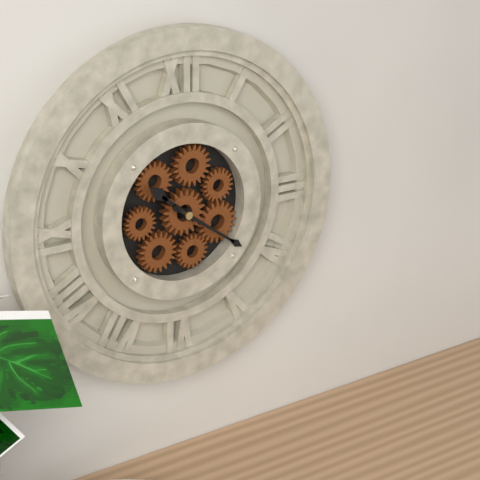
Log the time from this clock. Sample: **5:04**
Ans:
**10:21**
